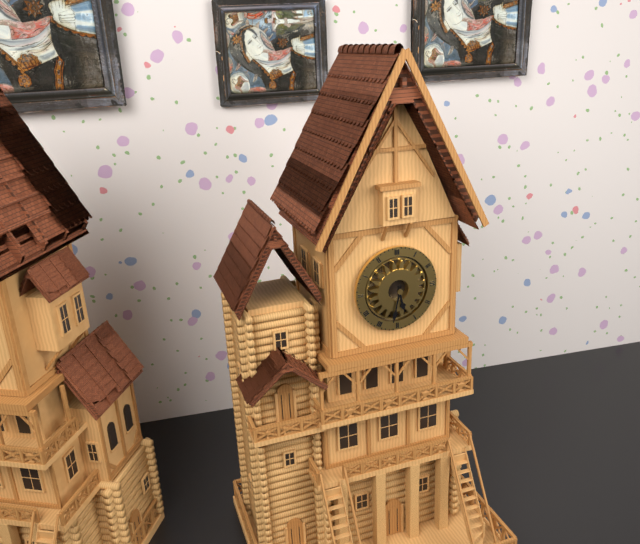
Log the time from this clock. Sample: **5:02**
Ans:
**5:32**
